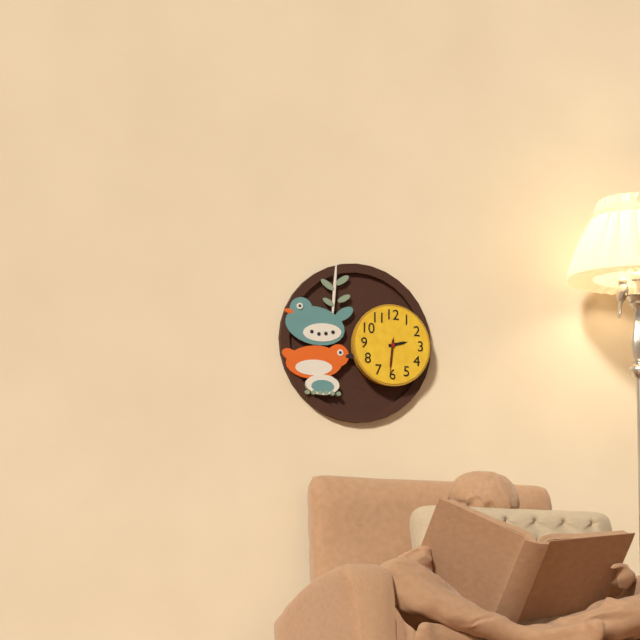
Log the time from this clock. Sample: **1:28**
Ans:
**2:31**
